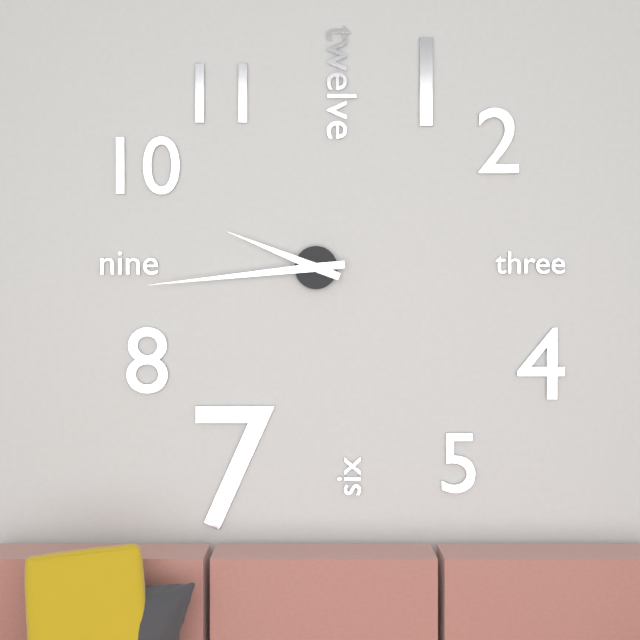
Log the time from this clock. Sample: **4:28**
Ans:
**9:44**
